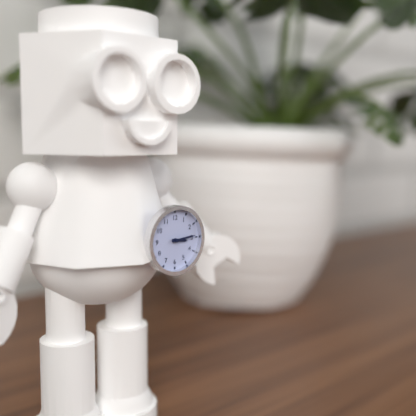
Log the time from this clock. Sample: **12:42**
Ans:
**3:14**
